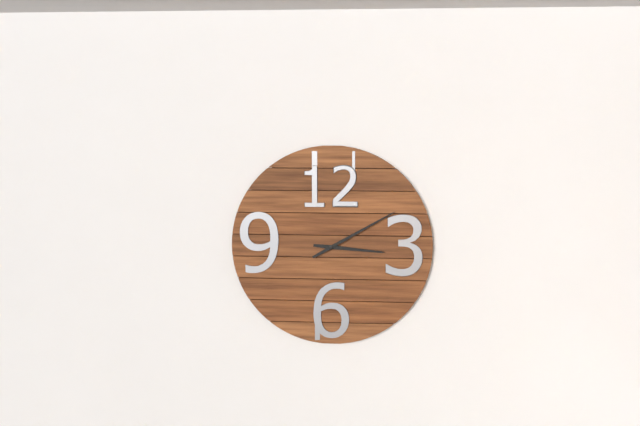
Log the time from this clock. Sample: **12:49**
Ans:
**3:10**
